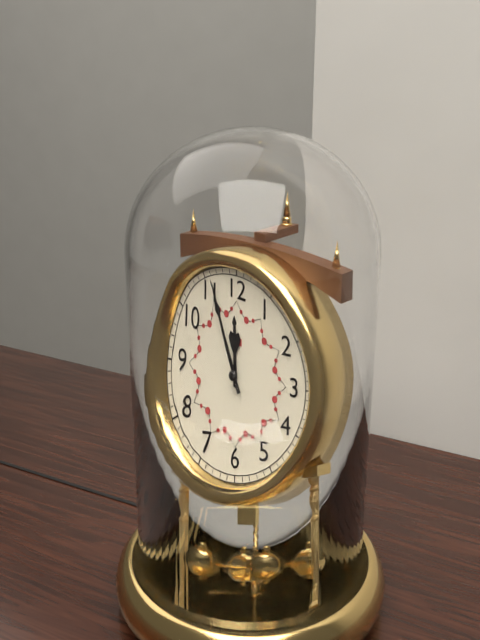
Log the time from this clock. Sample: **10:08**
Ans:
**11:56**
